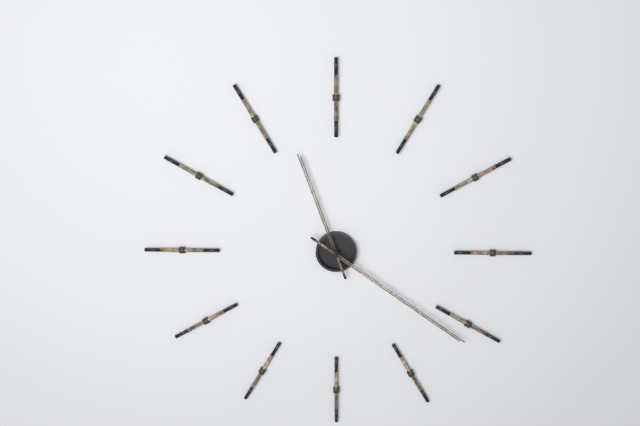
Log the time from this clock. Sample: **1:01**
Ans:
**11:21**
